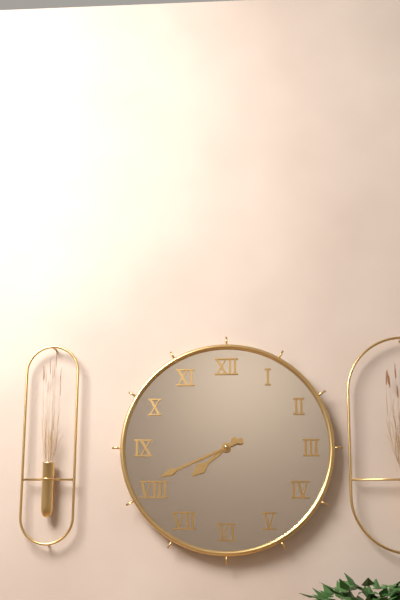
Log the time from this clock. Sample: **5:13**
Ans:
**7:41**
